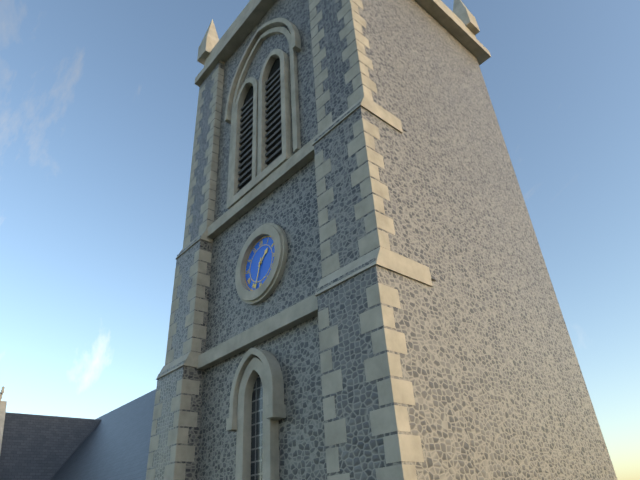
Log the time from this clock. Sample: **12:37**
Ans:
**1:33**
